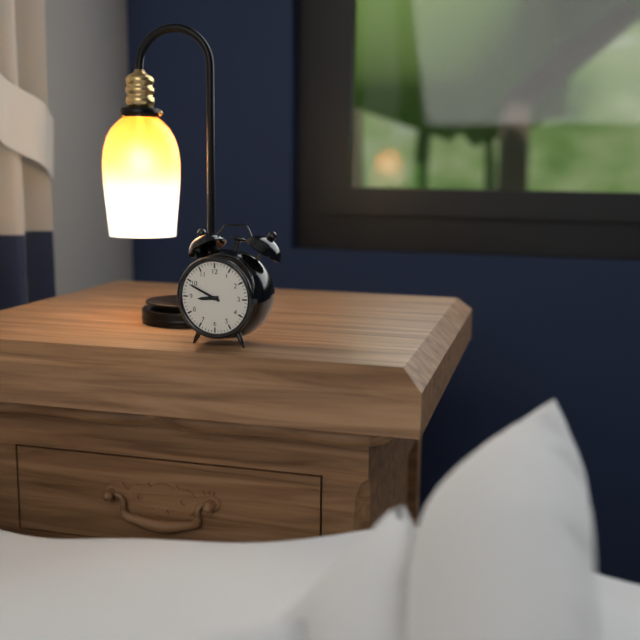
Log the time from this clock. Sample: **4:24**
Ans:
**8:49**
